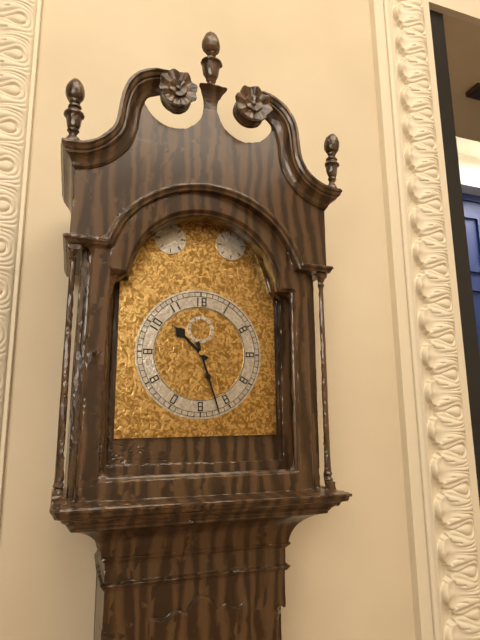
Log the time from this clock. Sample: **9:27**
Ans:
**10:27**
